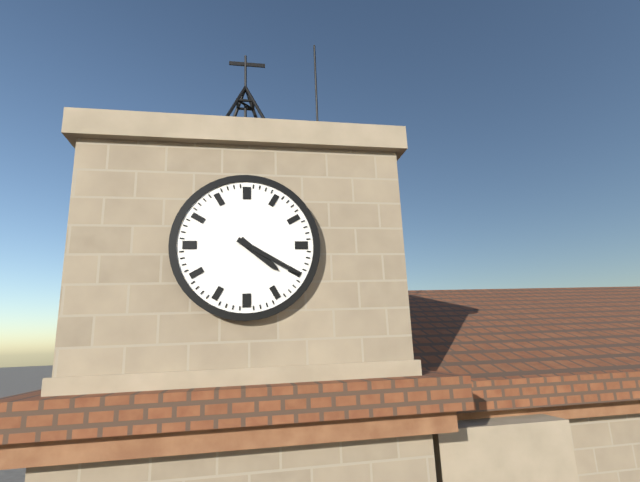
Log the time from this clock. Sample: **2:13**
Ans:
**4:20**
